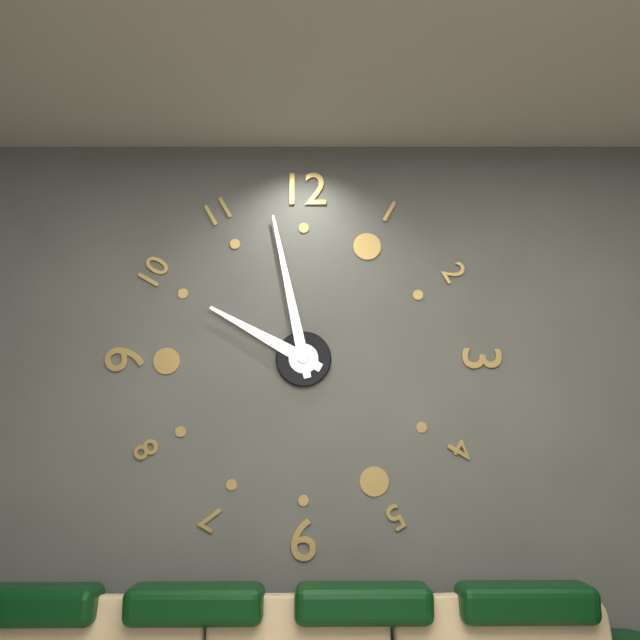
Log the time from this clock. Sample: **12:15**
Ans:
**9:58**
